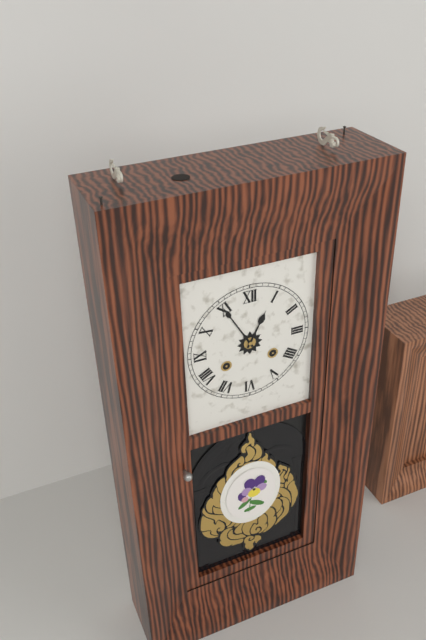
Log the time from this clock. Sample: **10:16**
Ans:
**12:55**
